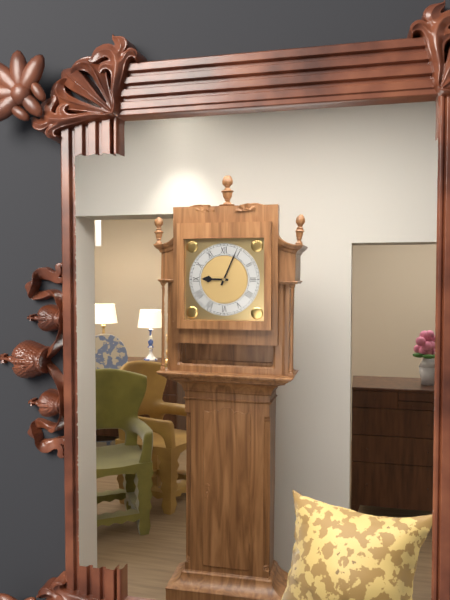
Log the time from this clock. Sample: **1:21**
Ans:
**9:04**
